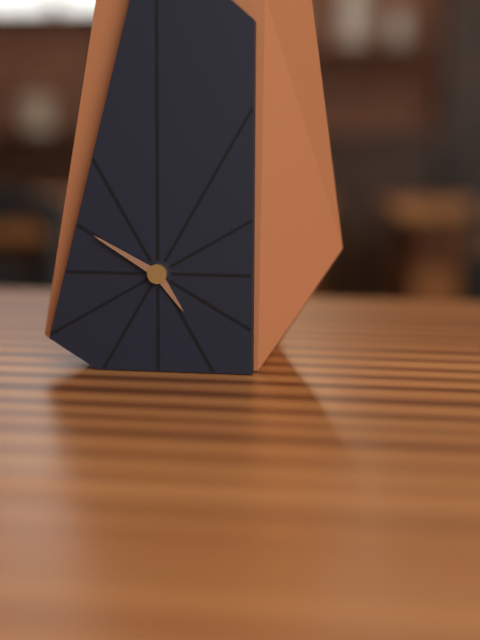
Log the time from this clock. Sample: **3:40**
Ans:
**4:50**
